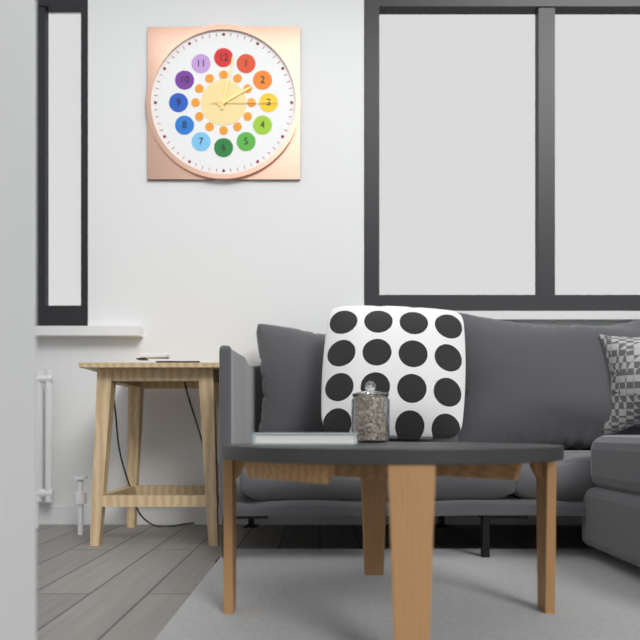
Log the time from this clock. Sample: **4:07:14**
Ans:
**2:02:15**
